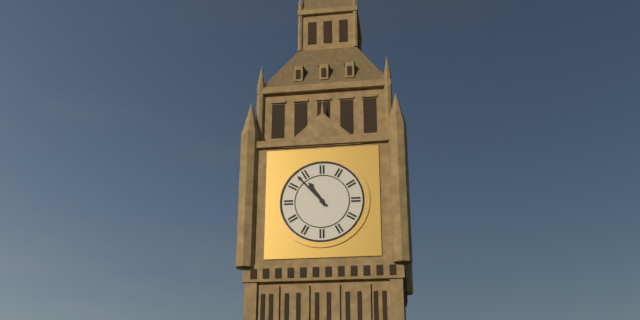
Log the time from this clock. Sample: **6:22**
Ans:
**10:53**
